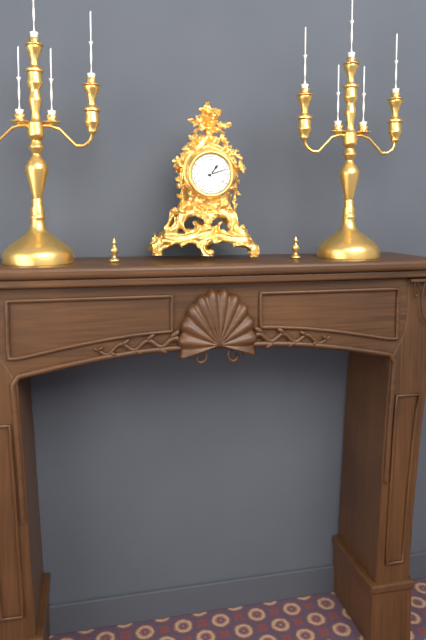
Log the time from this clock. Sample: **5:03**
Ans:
**1:12**
